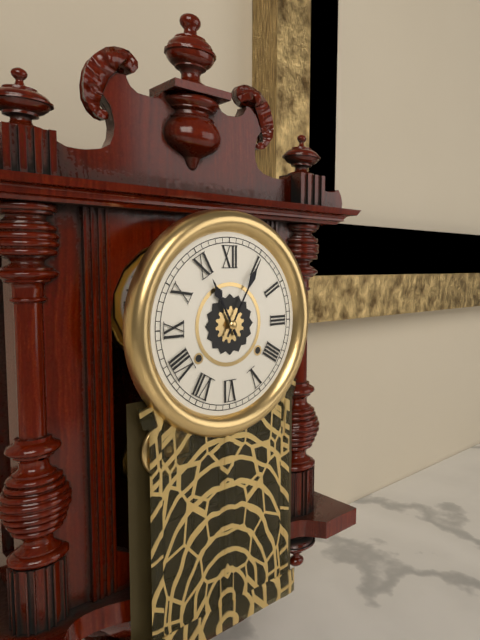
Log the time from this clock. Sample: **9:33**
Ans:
**11:05**
